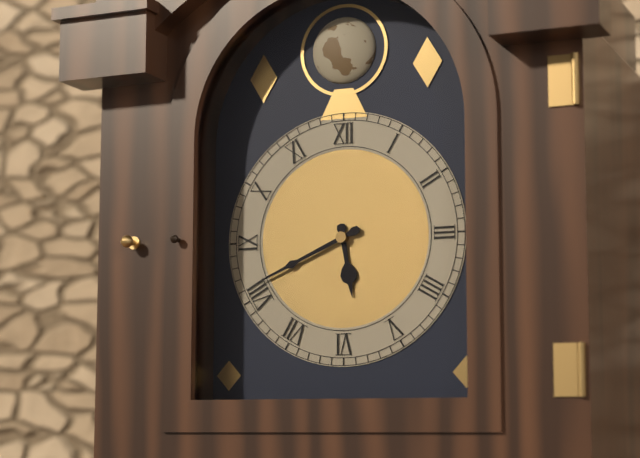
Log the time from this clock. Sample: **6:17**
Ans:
**5:41**
